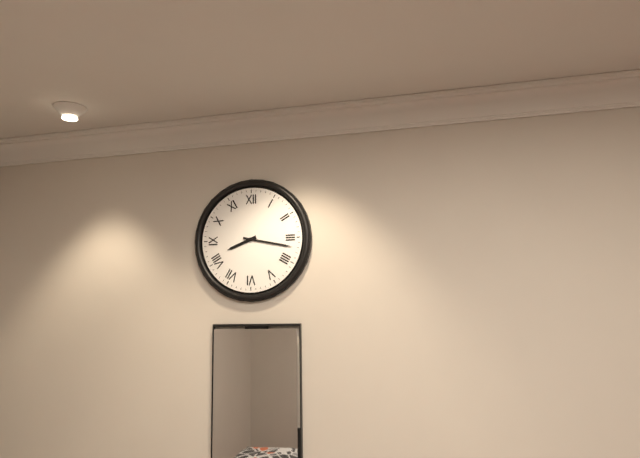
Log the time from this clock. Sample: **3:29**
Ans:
**8:17**
